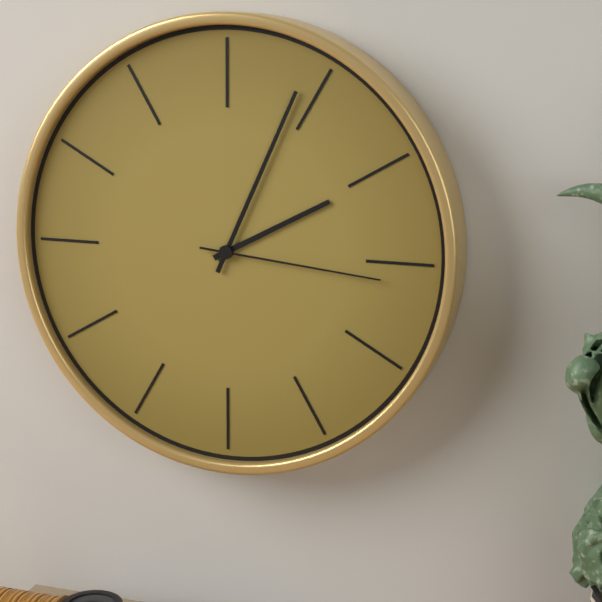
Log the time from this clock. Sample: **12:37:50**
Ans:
**2:04:16**
